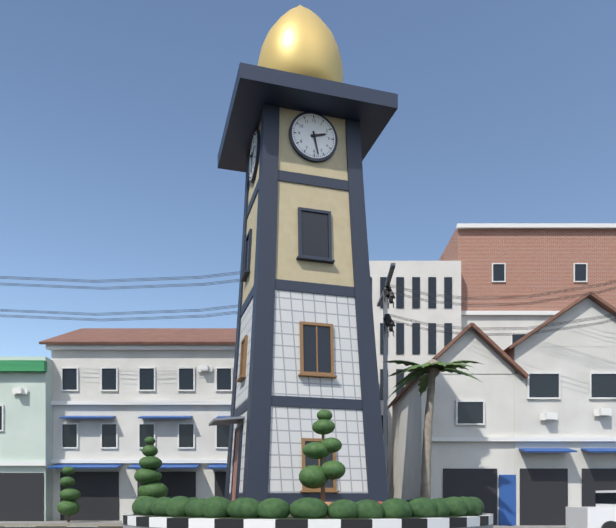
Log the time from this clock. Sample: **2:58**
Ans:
**2:28**
